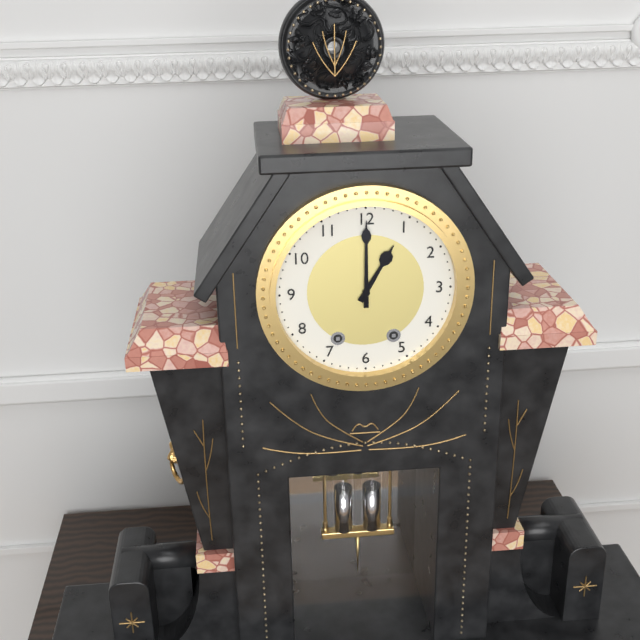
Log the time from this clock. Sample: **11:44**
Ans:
**1:00**
